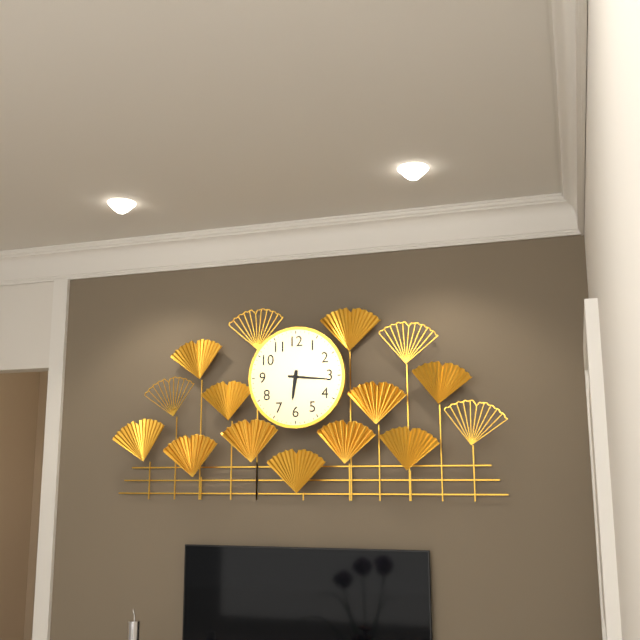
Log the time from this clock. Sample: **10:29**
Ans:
**6:16**
